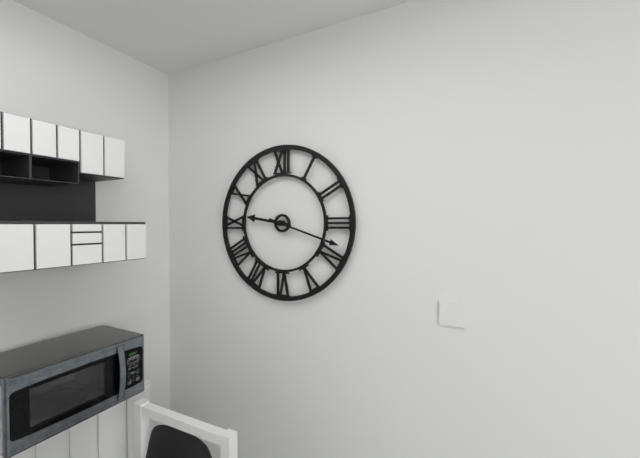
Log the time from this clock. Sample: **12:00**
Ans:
**9:18**
